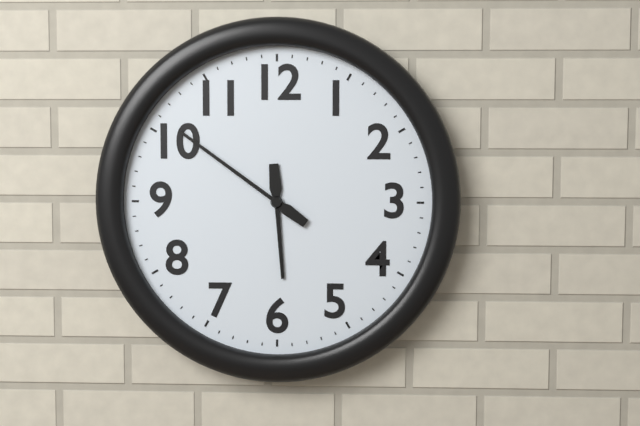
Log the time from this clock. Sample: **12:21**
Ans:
**5:51**
